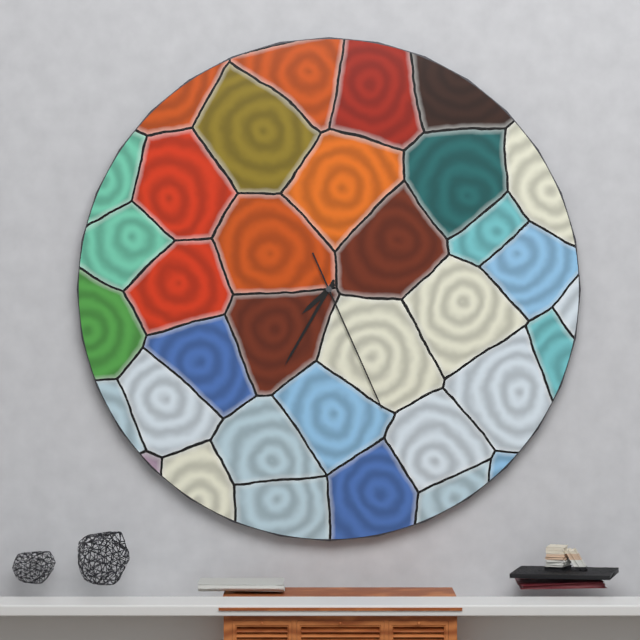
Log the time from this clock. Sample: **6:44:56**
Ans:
**7:35:26**
